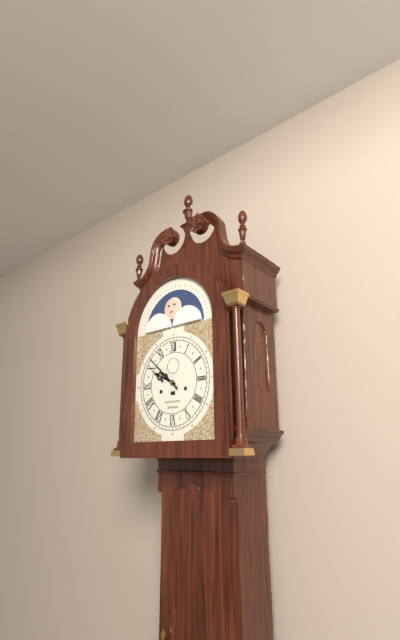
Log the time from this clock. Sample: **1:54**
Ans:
**9:52**
